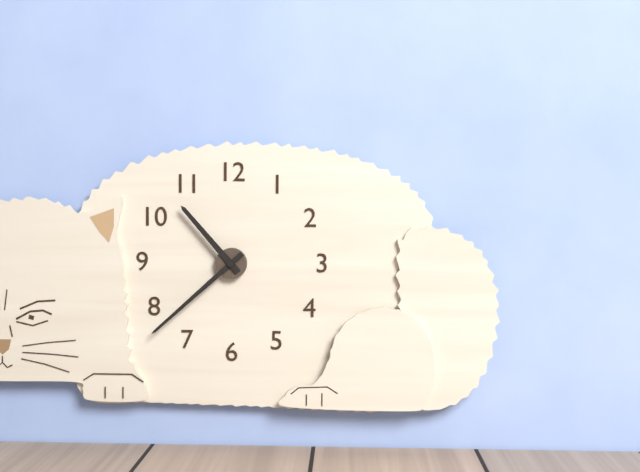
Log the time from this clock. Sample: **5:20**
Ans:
**10:38**
